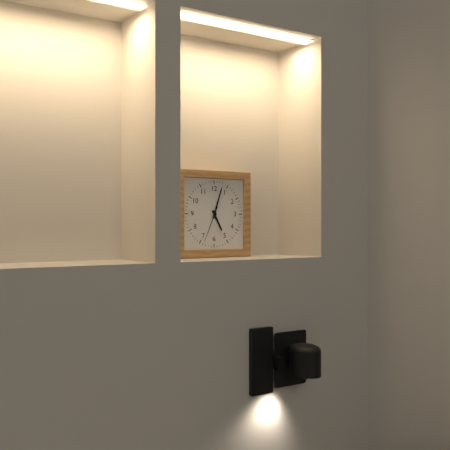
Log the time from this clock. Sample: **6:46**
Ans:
**5:03**
